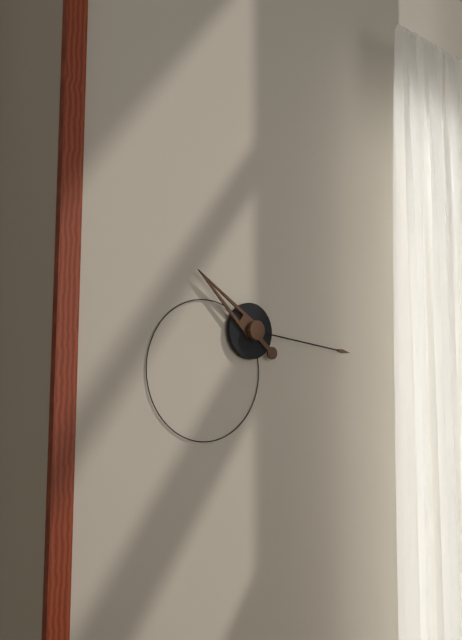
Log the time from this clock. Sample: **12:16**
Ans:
**10:16**
